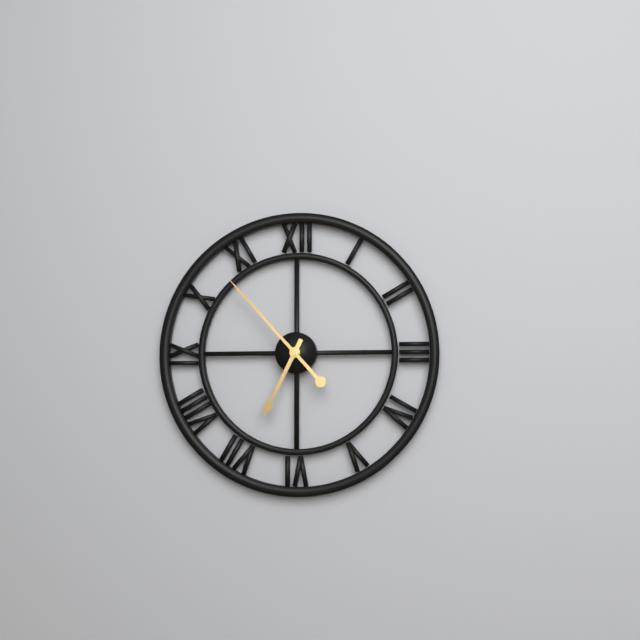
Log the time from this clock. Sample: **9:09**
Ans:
**6:53**
